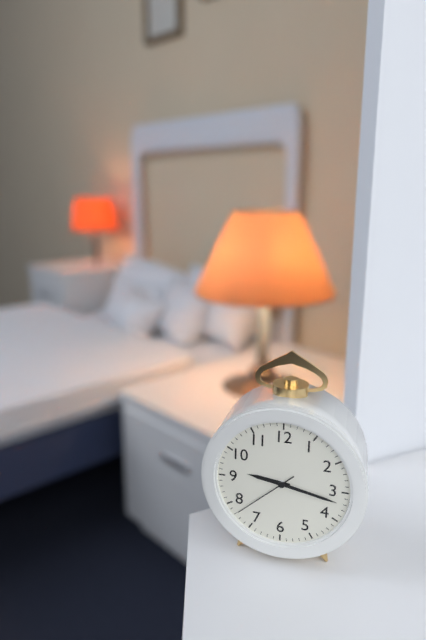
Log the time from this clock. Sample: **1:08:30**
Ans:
**9:17:38**
